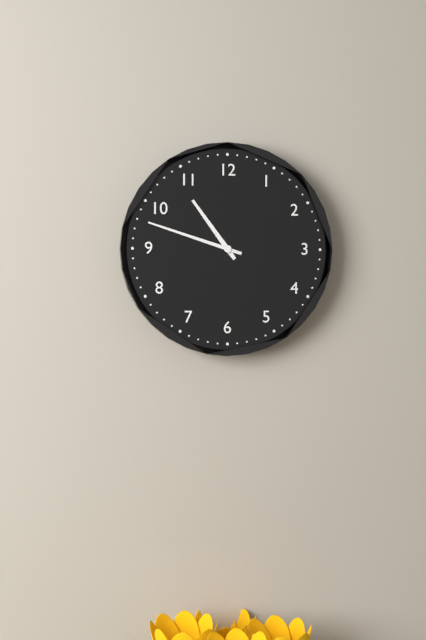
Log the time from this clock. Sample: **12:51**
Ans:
**10:48**
